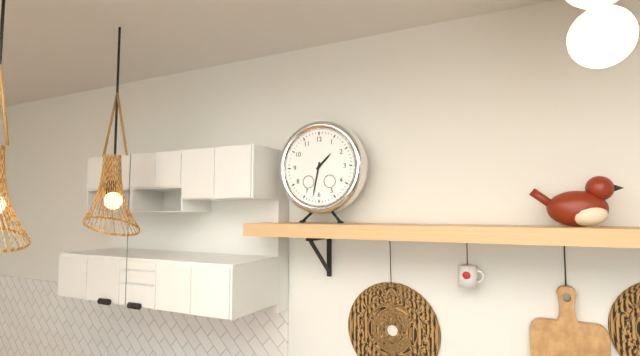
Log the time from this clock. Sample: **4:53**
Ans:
**1:32**
